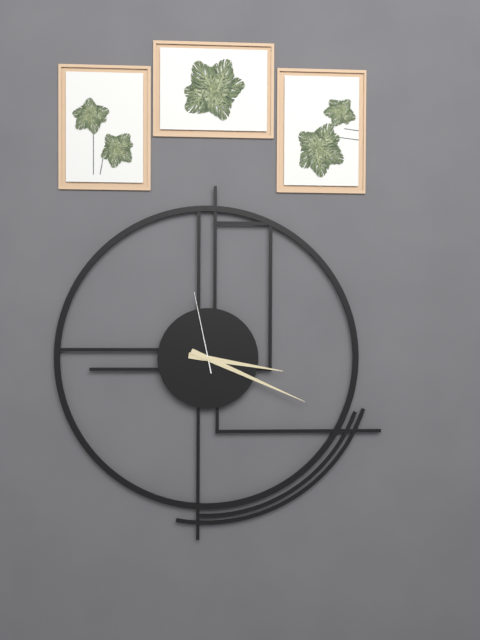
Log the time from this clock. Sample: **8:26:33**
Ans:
**3:19:58**
